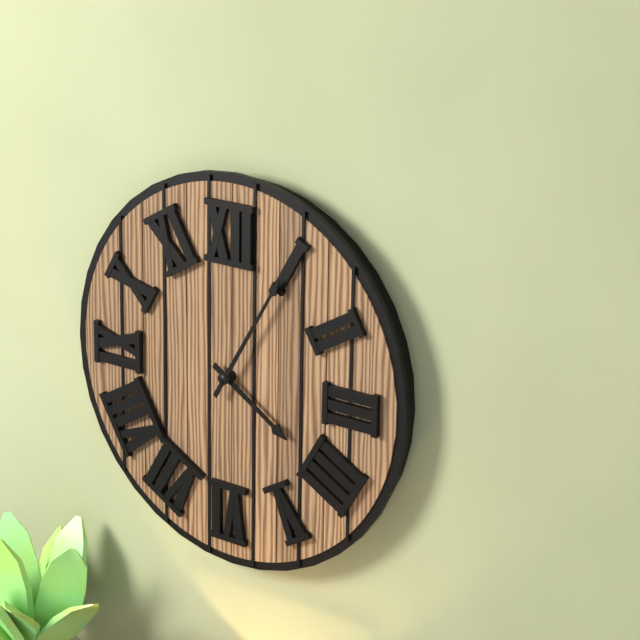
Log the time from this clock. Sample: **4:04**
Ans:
**4:05**
